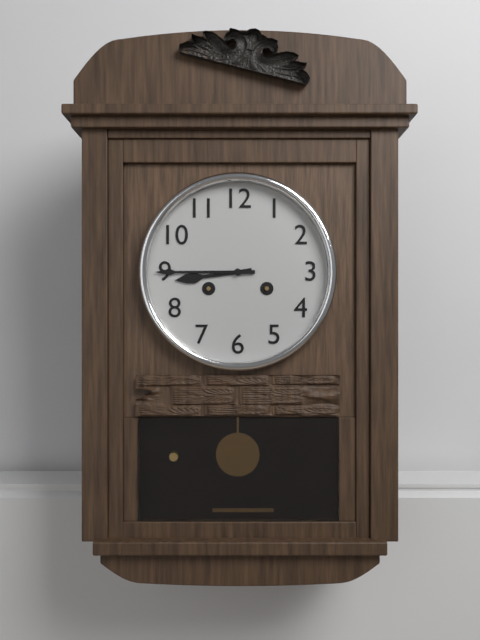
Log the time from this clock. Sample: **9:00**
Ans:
**8:45**
